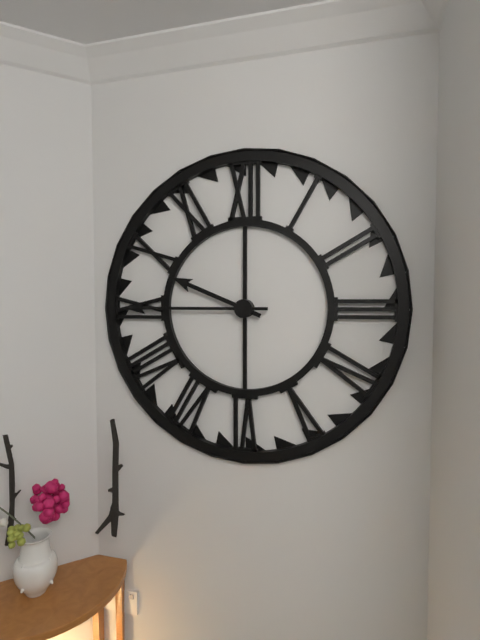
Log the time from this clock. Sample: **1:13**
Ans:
**9:45**
